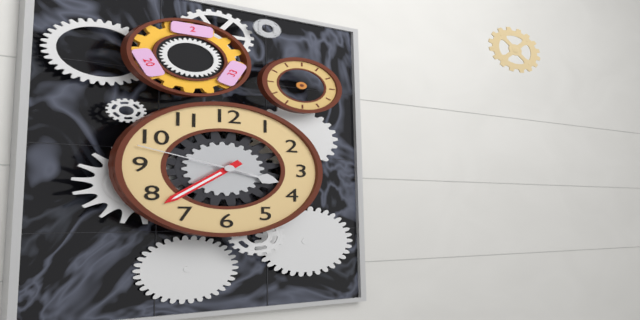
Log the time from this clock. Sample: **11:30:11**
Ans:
**3:38:48**
